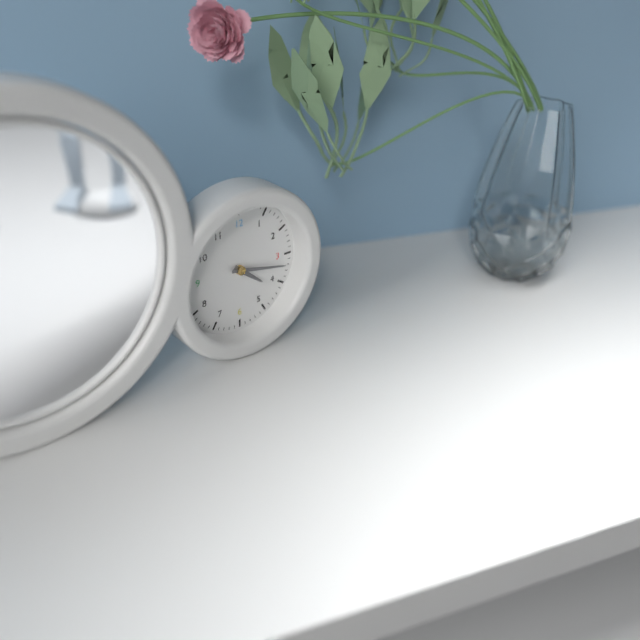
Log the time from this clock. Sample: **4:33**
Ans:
**4:17**
